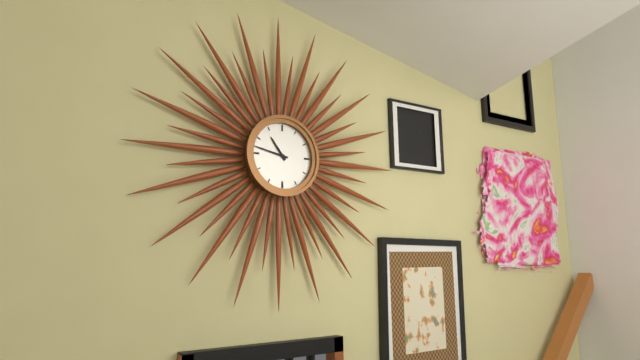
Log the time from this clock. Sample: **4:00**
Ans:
**10:47**
